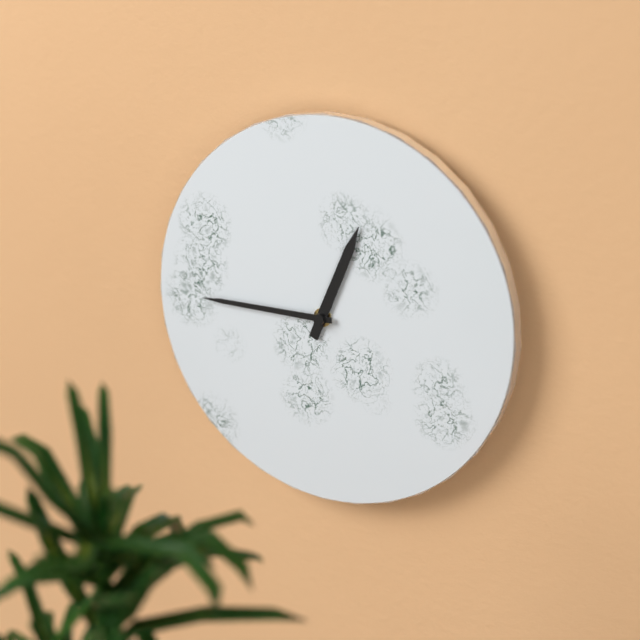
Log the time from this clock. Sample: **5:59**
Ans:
**12:45**
